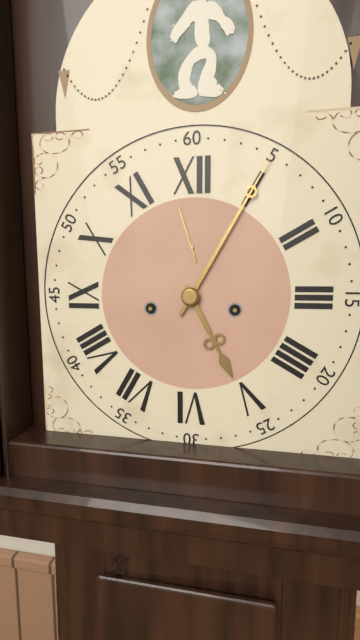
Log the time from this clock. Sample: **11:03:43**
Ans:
**5:05:57**
